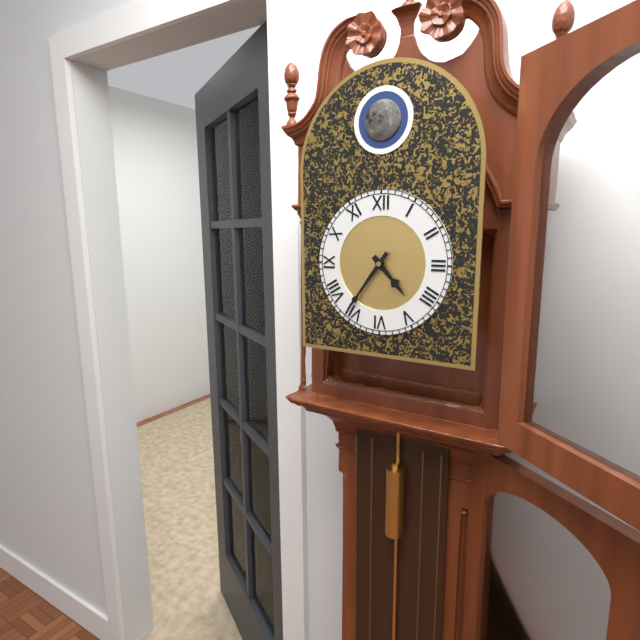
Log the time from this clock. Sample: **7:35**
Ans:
**4:36**
